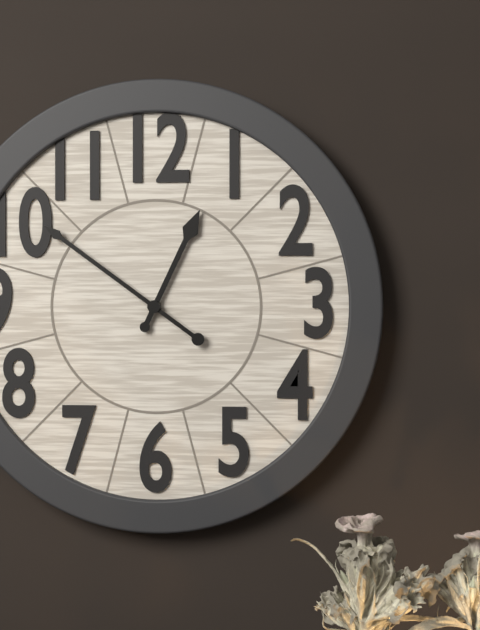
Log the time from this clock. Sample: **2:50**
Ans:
**12:51**
